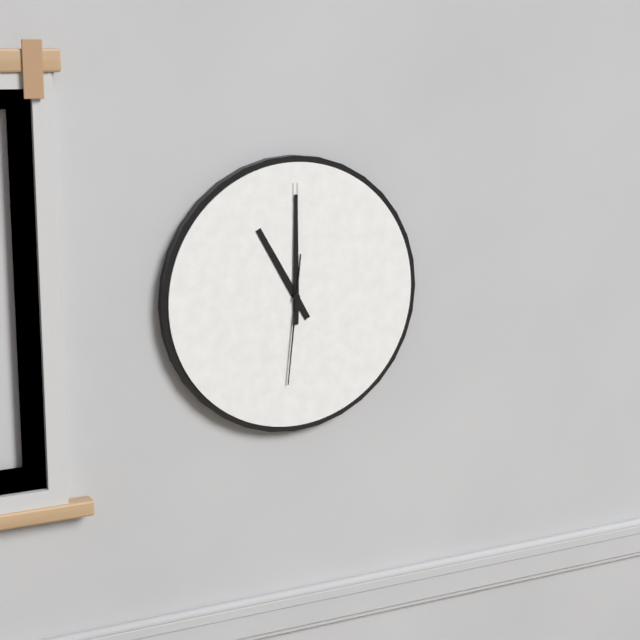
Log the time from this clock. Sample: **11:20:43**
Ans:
**11:00:31**
